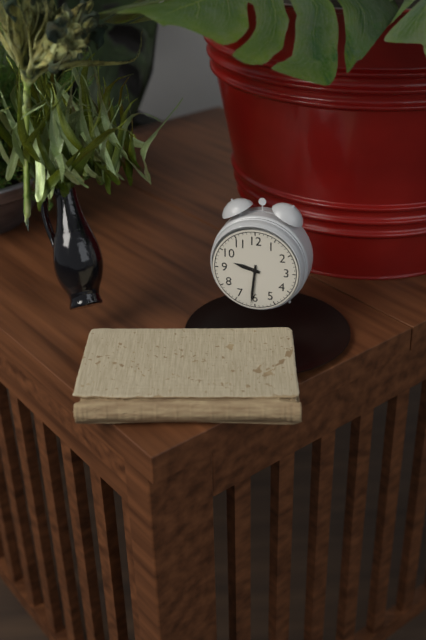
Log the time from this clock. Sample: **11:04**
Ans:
**9:31**
